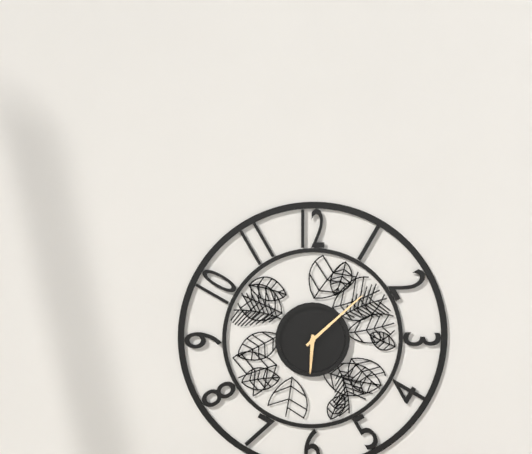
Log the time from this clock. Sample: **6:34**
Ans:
**6:08**
